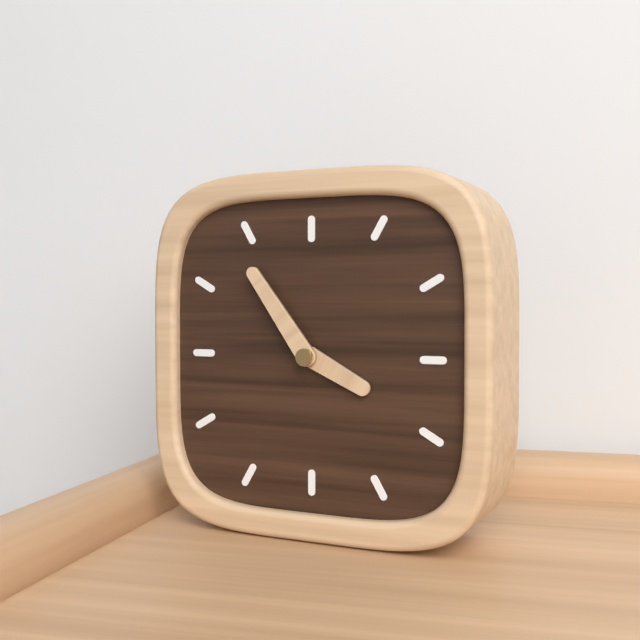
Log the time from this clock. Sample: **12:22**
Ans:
**3:54**
